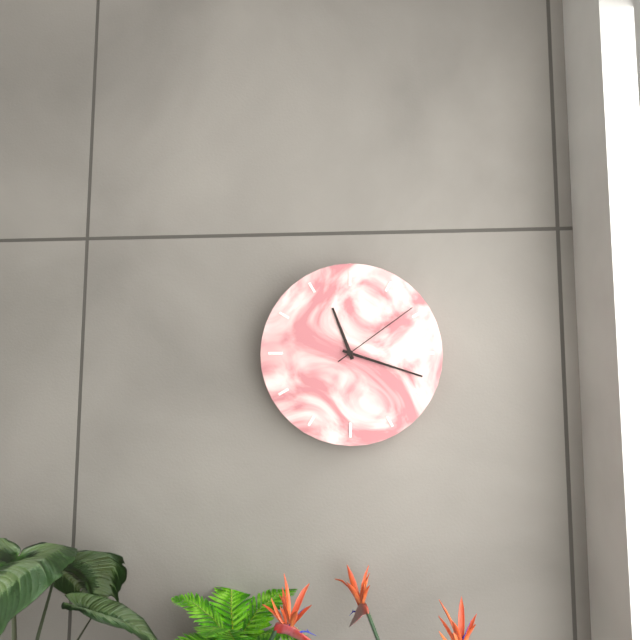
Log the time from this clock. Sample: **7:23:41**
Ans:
**11:18:09**
